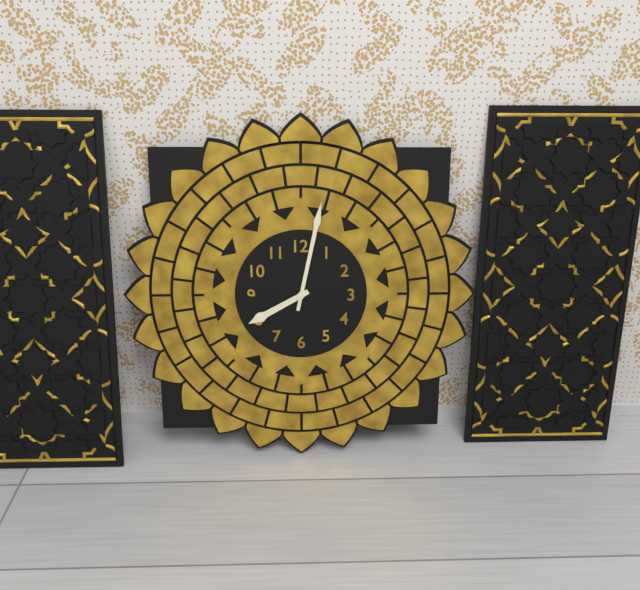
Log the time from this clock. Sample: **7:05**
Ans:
**8:02**
